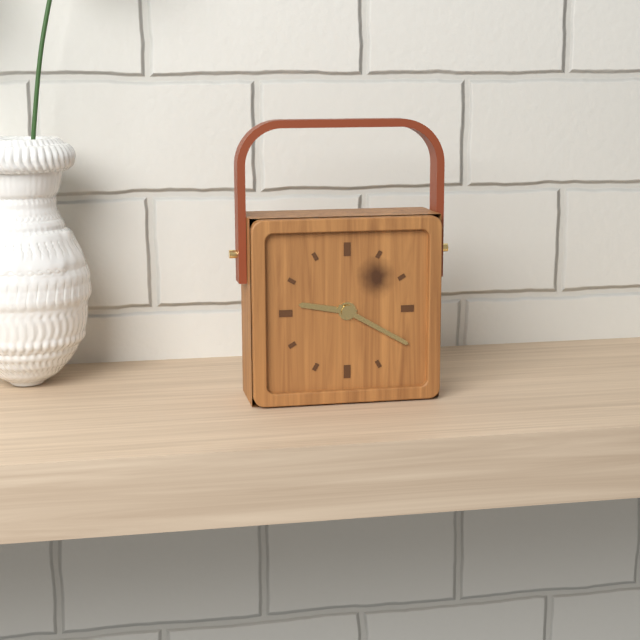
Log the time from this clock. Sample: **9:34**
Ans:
**9:20**
